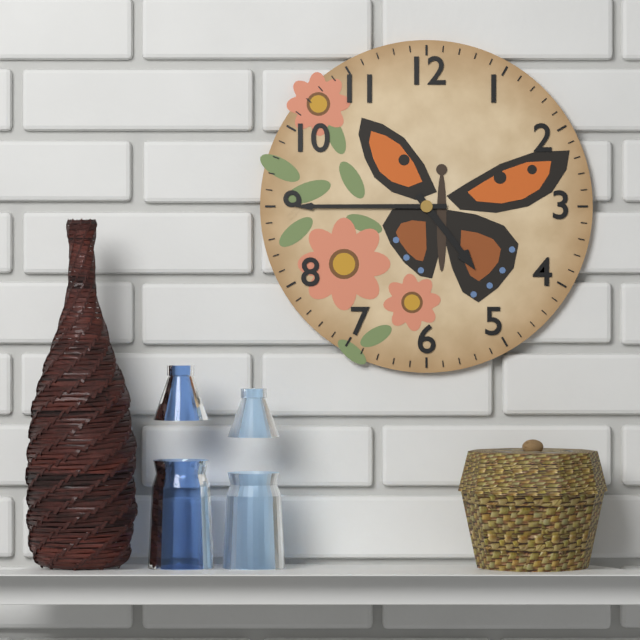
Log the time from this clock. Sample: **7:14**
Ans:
**4:45**
